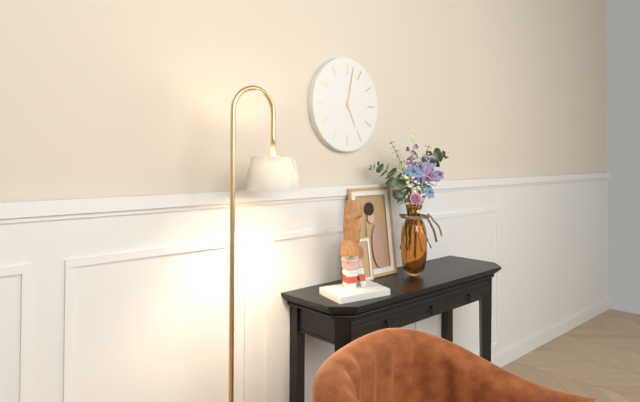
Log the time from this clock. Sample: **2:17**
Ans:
**5:02**
